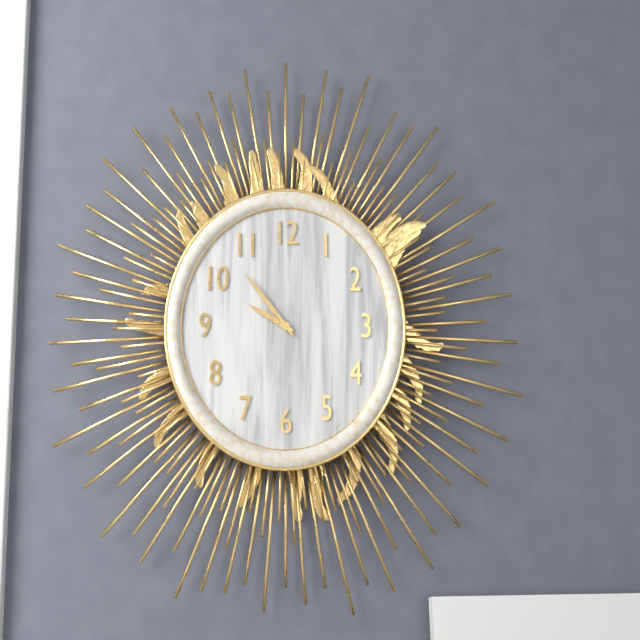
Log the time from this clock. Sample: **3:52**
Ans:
**9:53**
